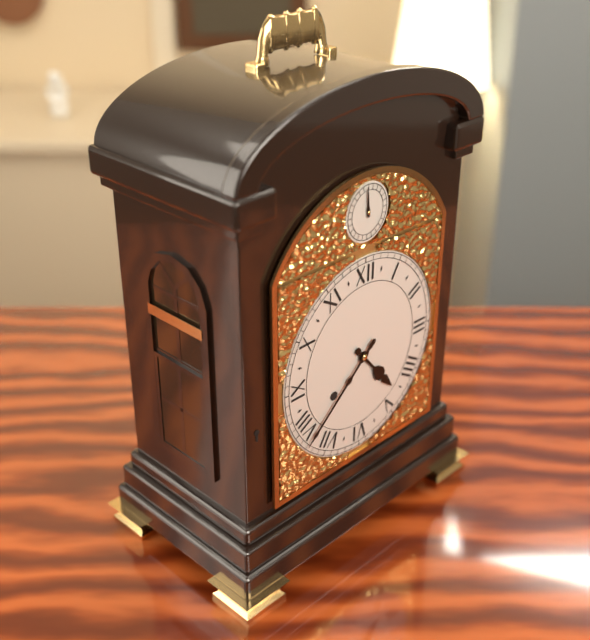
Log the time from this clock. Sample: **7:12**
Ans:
**4:38**
